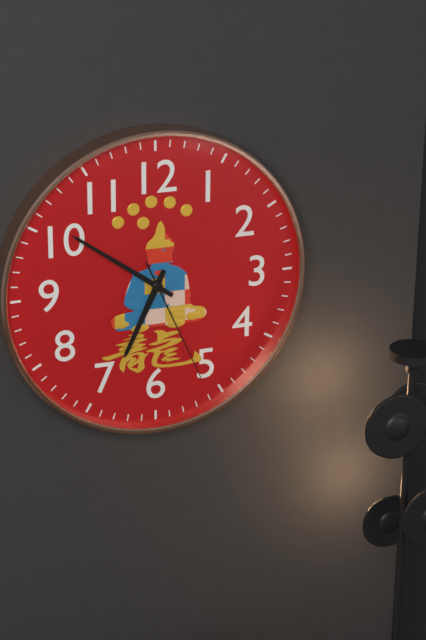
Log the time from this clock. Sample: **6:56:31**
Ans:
**6:51:26**
